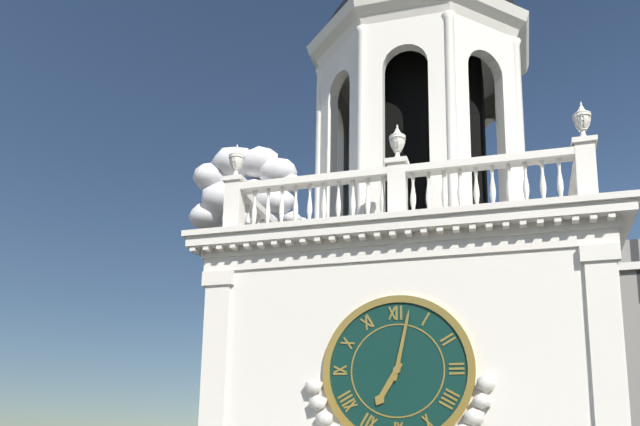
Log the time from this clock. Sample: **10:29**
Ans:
**7:02**
